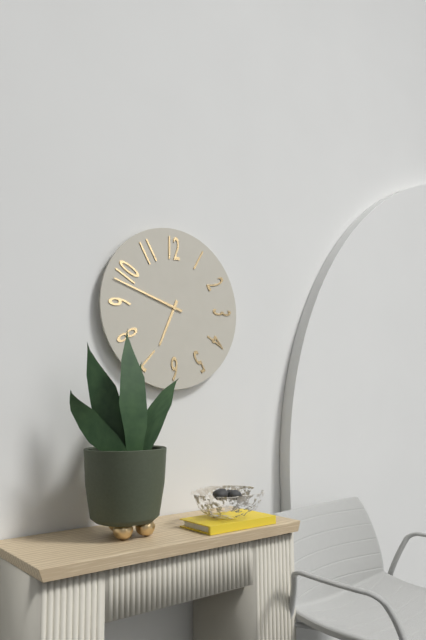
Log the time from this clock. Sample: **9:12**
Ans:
**6:48**
